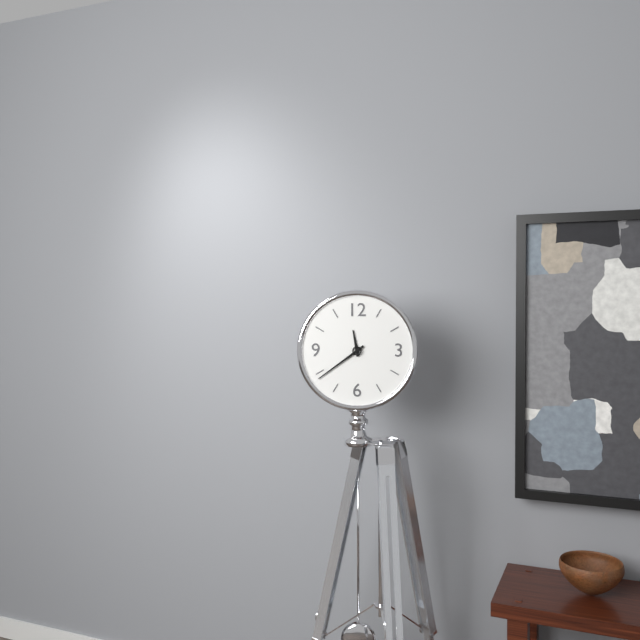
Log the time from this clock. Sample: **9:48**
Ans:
**11:39**
